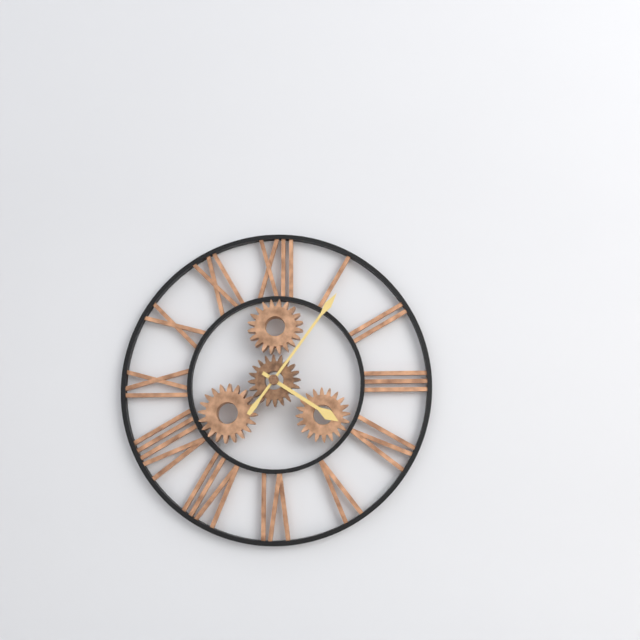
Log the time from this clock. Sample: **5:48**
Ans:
**4:06**
